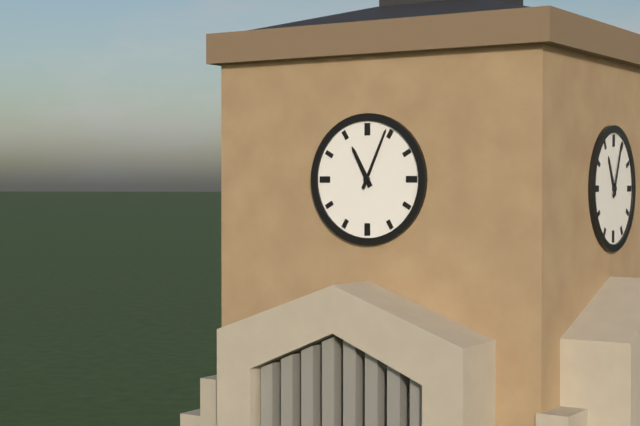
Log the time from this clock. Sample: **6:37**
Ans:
**11:04**
